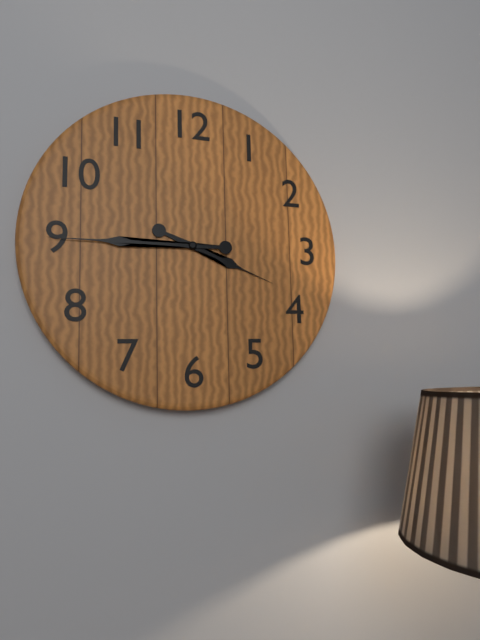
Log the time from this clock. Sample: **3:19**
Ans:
**3:45**
